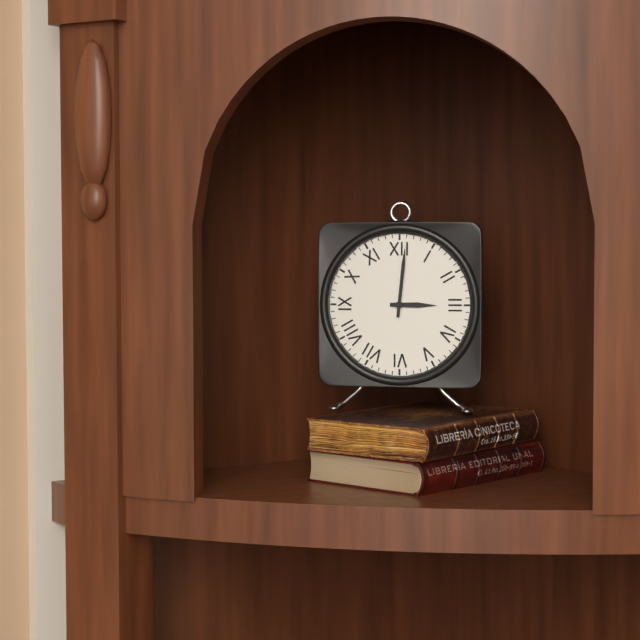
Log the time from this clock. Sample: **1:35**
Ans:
**3:01**
